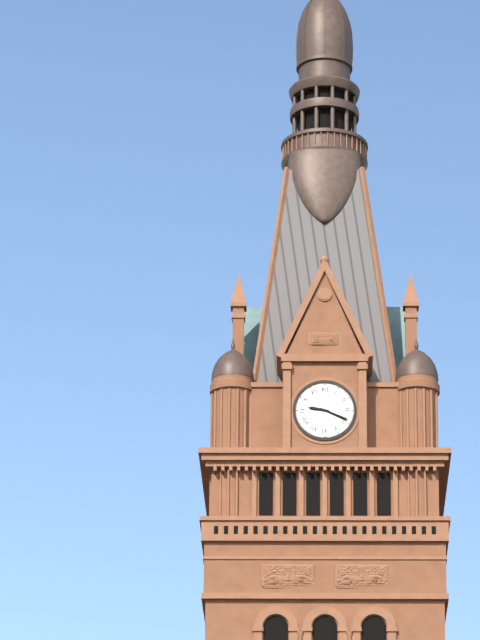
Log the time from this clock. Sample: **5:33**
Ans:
**9:19**
